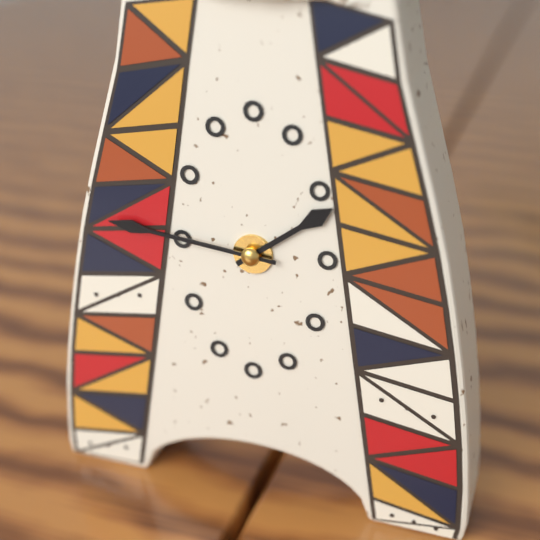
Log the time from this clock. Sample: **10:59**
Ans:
**1:46**
